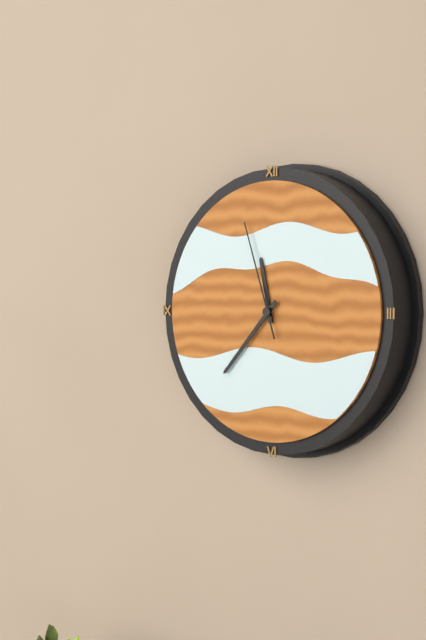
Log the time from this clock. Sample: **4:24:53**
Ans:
**11:37:57**
